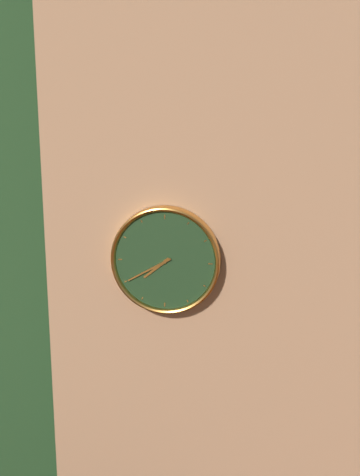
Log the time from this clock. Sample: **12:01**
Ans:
**7:40**
